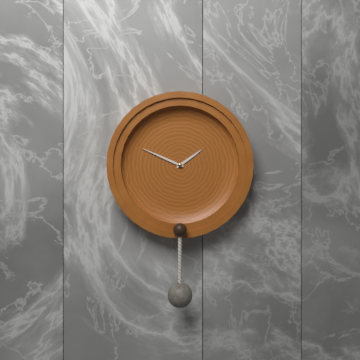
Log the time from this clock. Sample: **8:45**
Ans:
**1:49**
